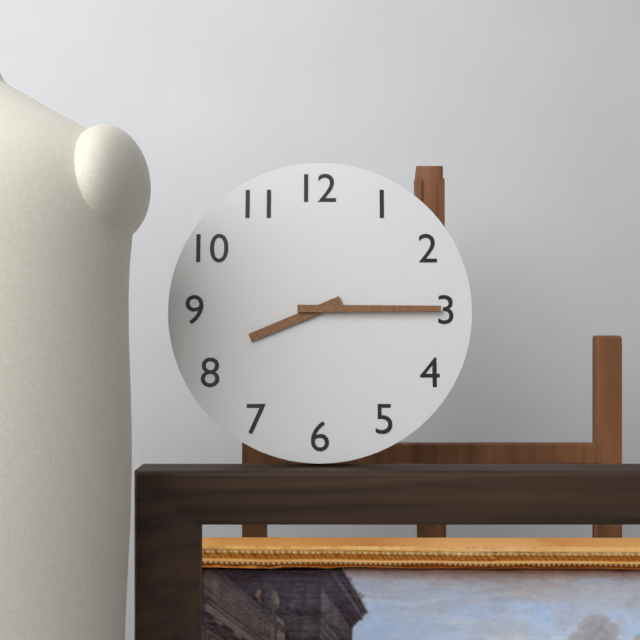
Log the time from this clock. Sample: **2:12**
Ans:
**8:15**
